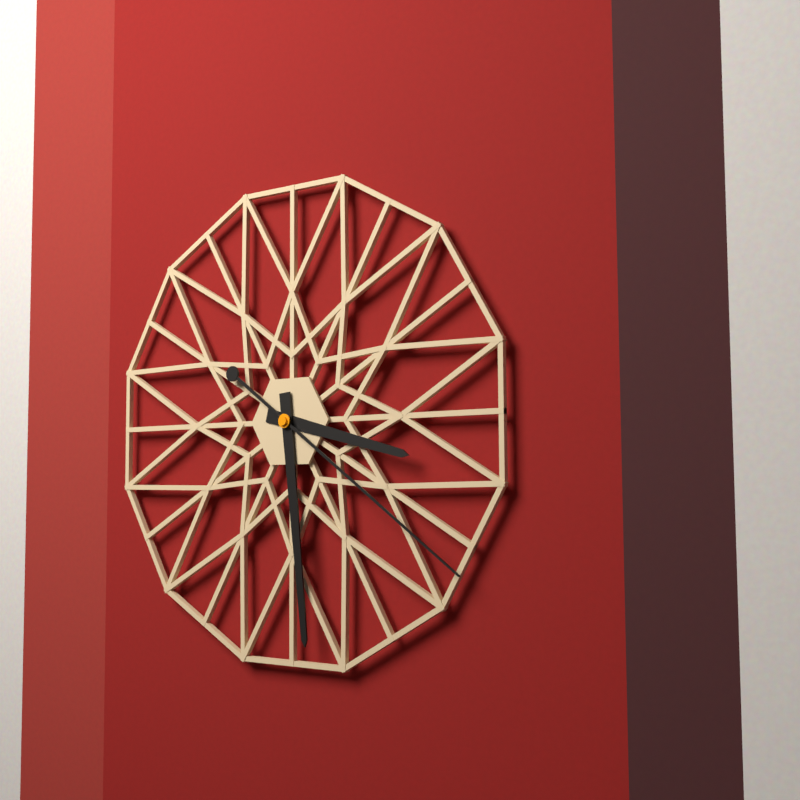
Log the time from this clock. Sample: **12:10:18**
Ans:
**3:29:21**
